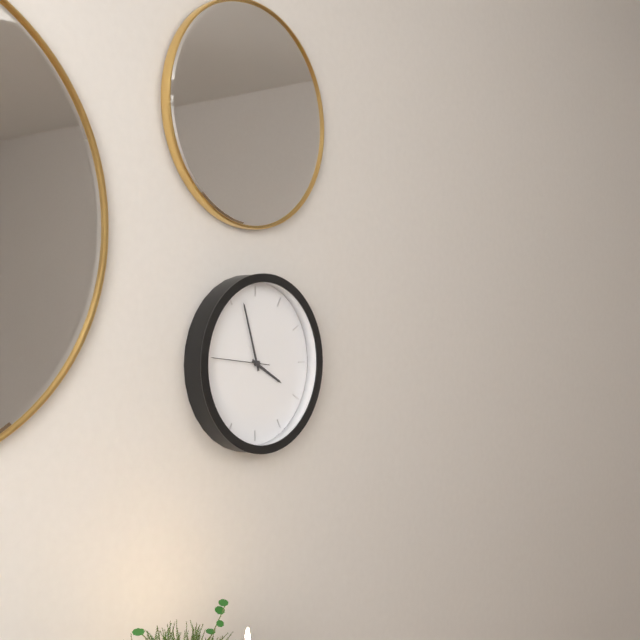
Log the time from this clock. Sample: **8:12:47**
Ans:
**3:57:46**
